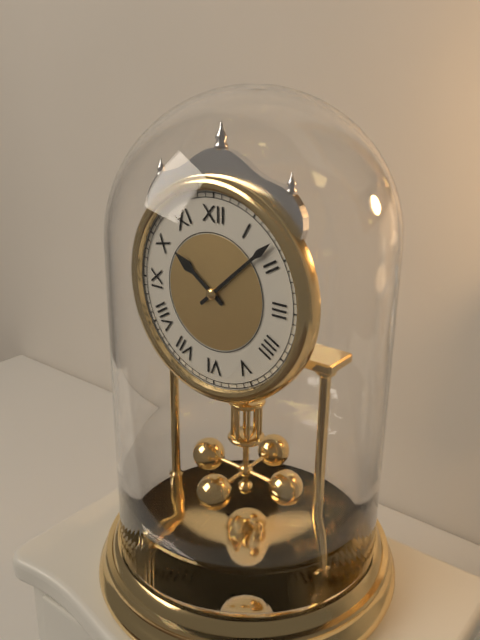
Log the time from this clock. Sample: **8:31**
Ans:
**10:08**
